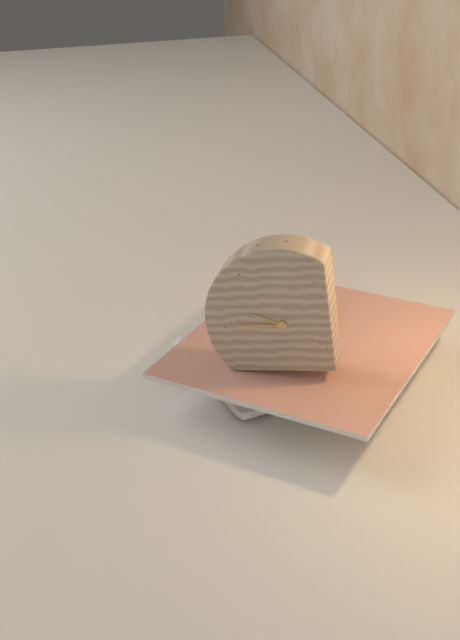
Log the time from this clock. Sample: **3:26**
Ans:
**9:45**
